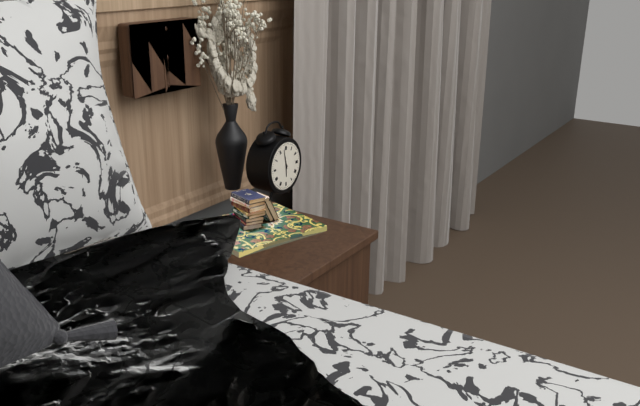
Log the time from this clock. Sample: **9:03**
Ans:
**5:58**
